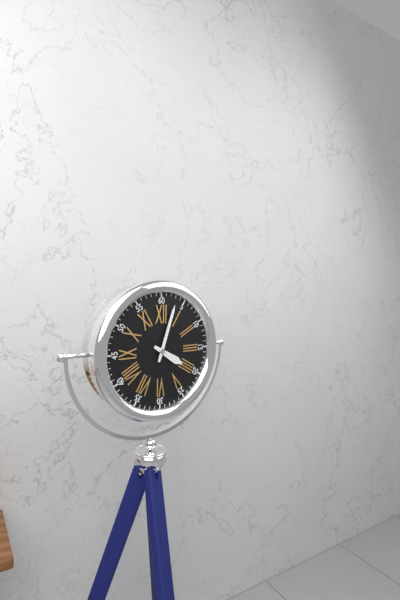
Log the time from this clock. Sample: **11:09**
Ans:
**4:03**
